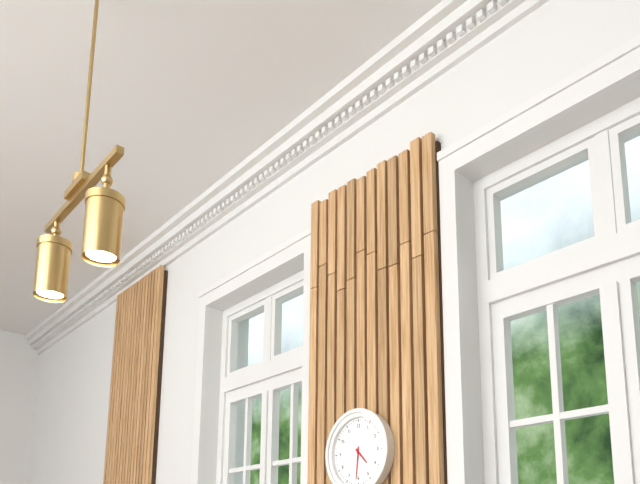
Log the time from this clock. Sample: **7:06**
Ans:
**4:31**
